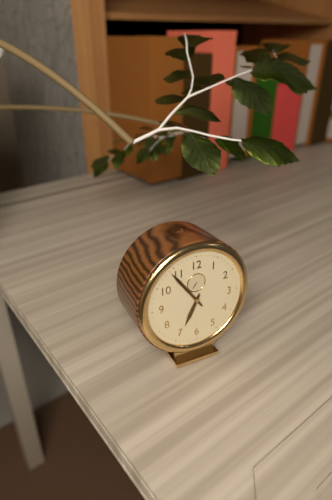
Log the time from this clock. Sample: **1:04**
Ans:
**6:54**
